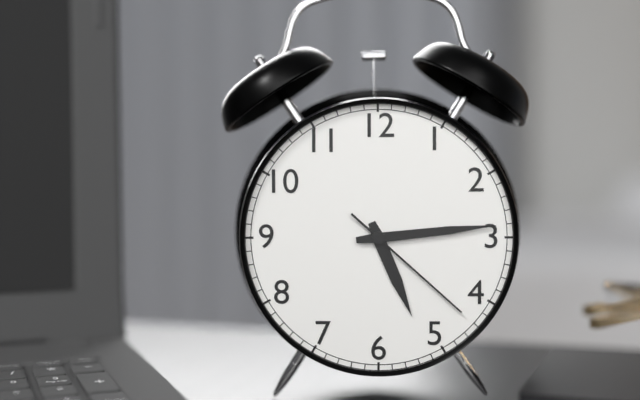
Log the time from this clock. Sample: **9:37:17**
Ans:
**5:14:22**
